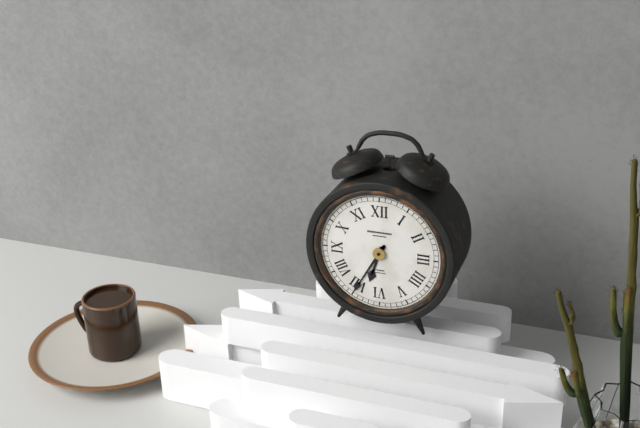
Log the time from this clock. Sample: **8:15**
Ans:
**6:35**
